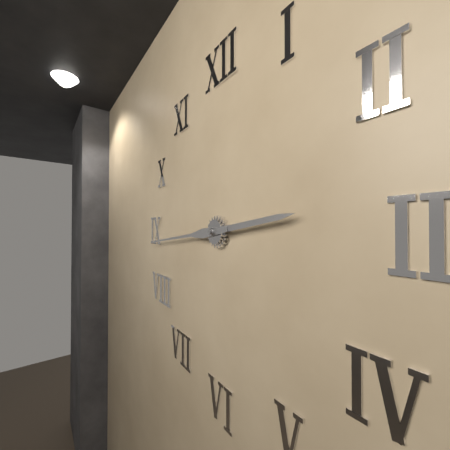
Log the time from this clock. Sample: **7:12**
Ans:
**2:44**
